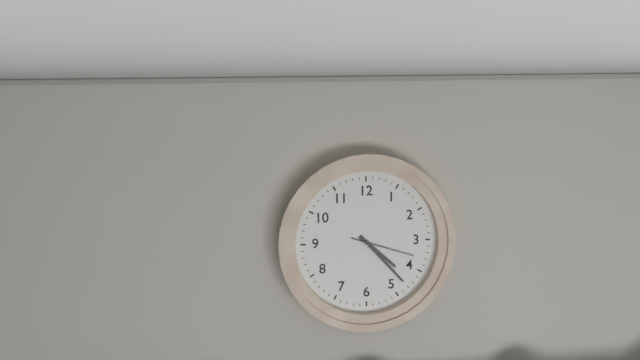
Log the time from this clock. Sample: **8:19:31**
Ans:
**4:23:18**
